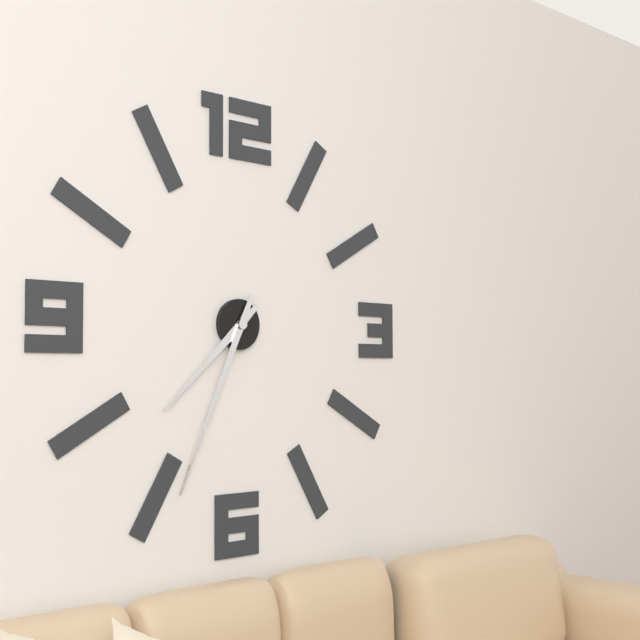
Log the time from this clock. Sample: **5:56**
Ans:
**7:34**
